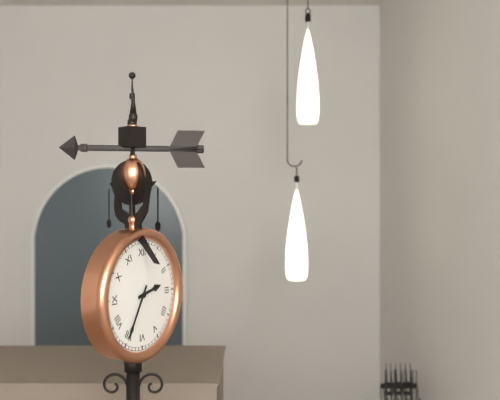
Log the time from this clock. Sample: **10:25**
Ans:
**2:35**
